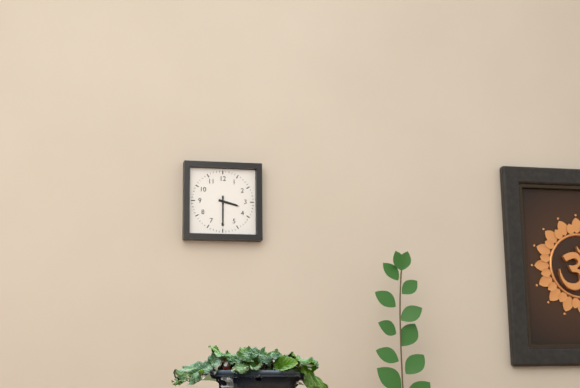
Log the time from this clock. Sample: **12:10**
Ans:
**3:30**
